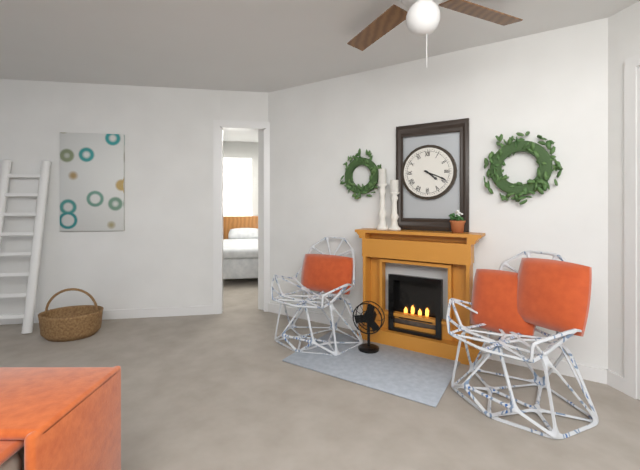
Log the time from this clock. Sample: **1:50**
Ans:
**4:19**
